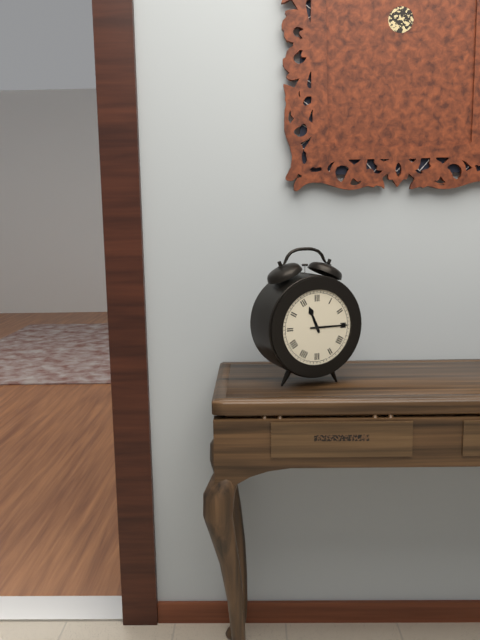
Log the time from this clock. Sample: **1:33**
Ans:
**11:15**
